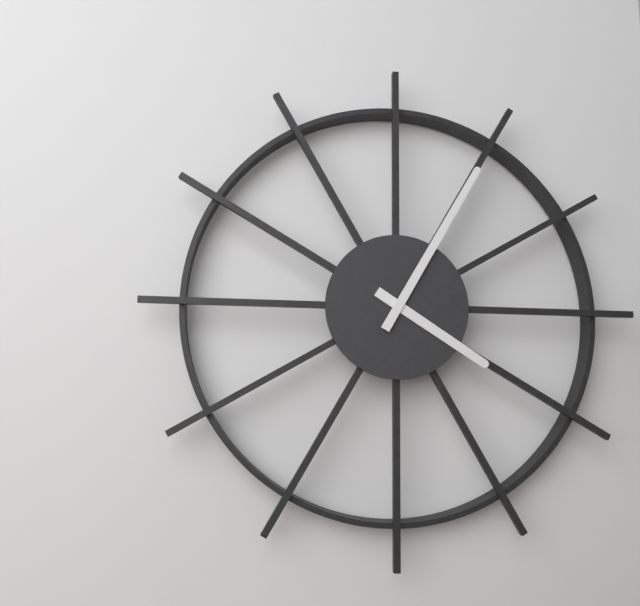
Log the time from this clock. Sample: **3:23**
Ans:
**4:05**
